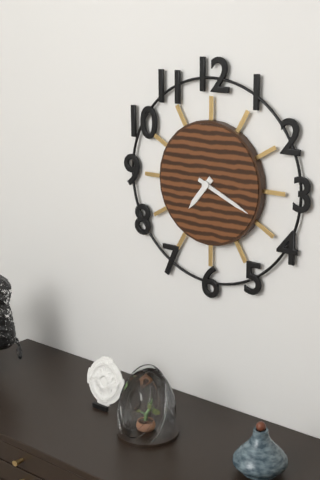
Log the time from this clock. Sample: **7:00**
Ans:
**7:19**
